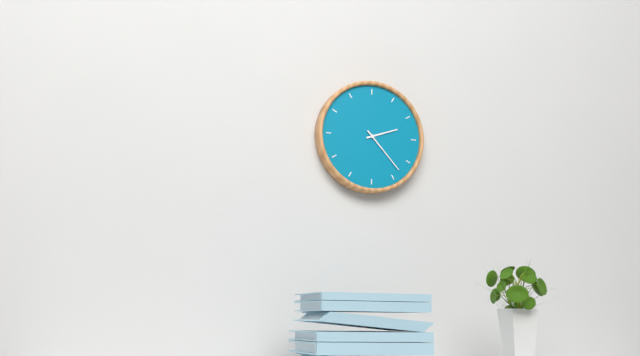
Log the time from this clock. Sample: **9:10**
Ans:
**2:23**
